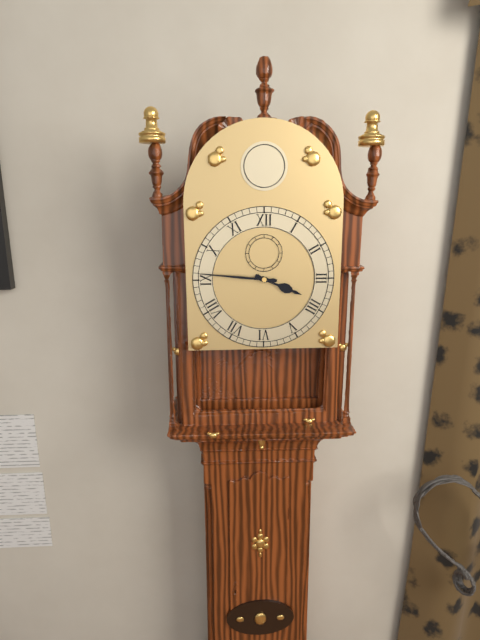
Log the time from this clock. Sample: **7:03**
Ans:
**3:46**
